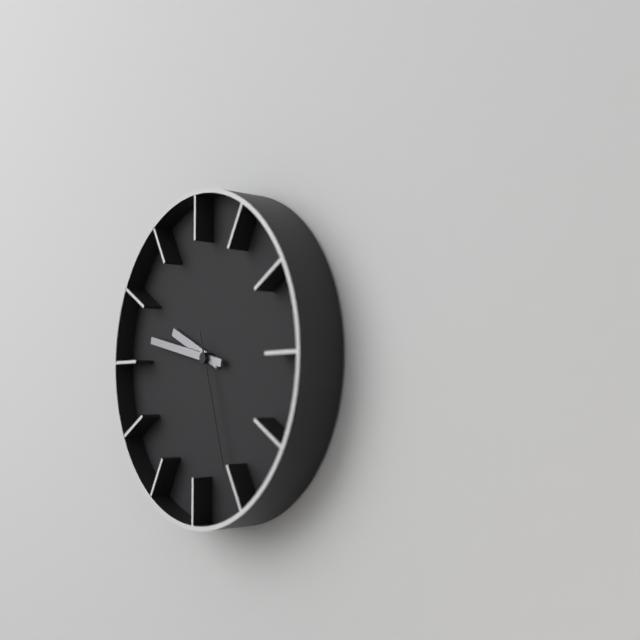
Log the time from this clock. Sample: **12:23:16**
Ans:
**9:47:27**
